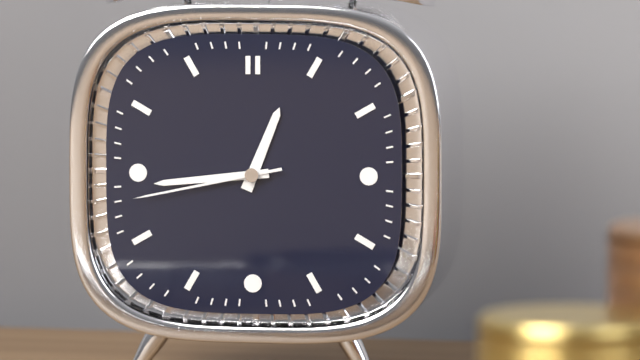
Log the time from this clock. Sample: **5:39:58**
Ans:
**12:44:43**
